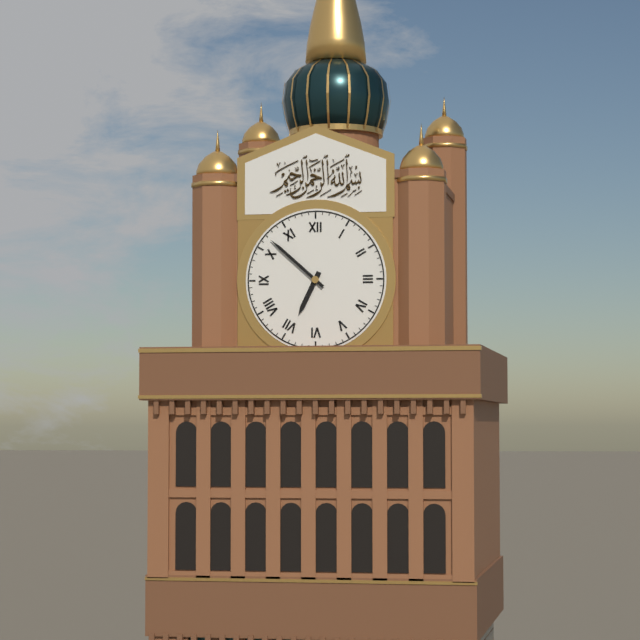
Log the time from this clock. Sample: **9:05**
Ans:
**6:52**
